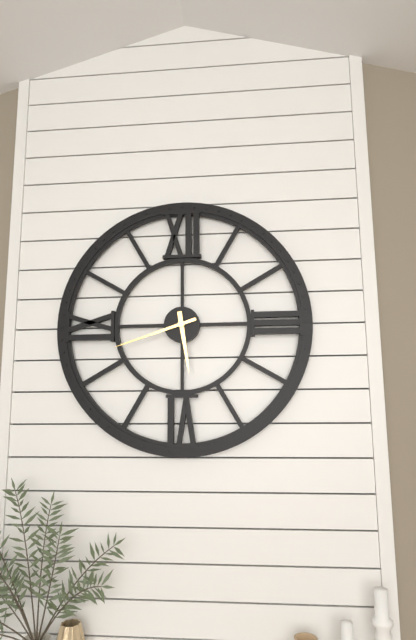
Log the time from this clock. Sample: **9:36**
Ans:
**5:42**
